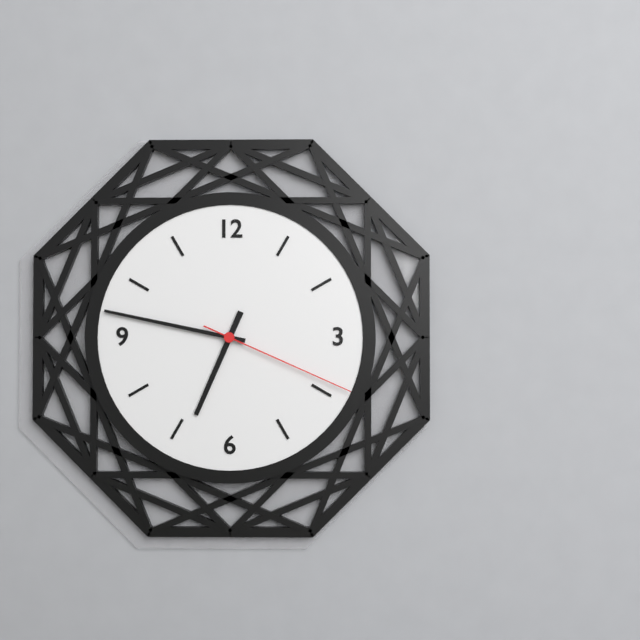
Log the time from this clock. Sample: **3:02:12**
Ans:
**6:47:19**
